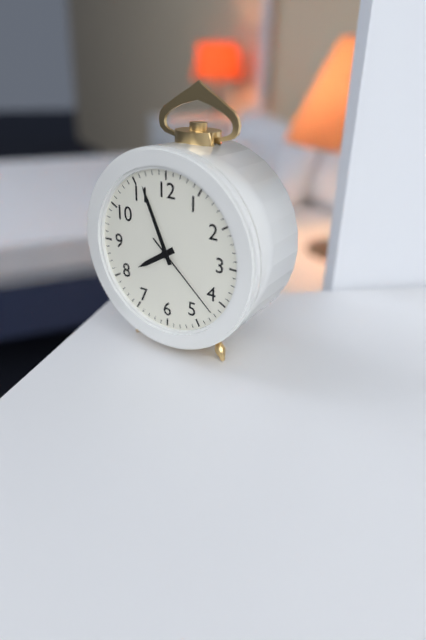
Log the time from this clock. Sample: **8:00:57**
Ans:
**7:56:22**
